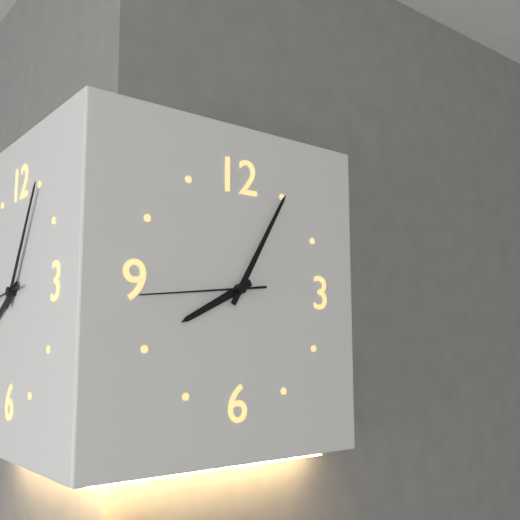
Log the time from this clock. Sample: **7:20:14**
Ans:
**8:05:44**
